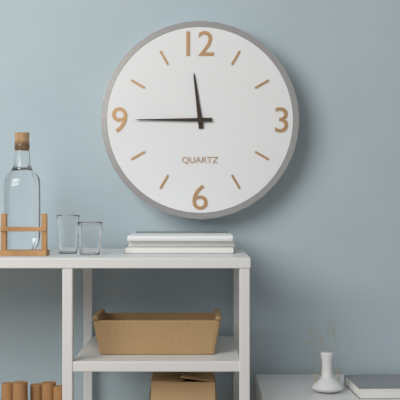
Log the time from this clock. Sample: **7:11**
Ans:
**11:45**
